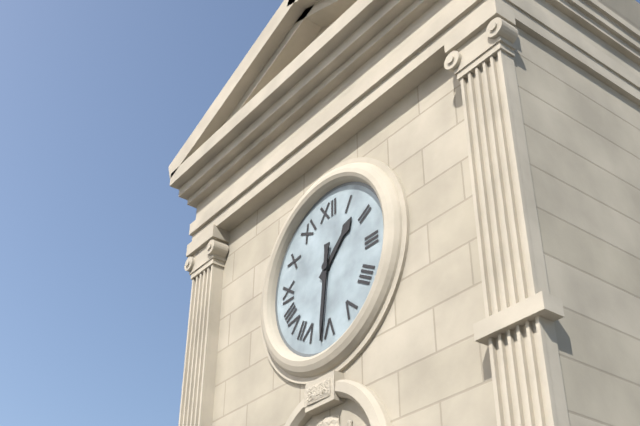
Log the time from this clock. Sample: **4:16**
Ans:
**1:31**
